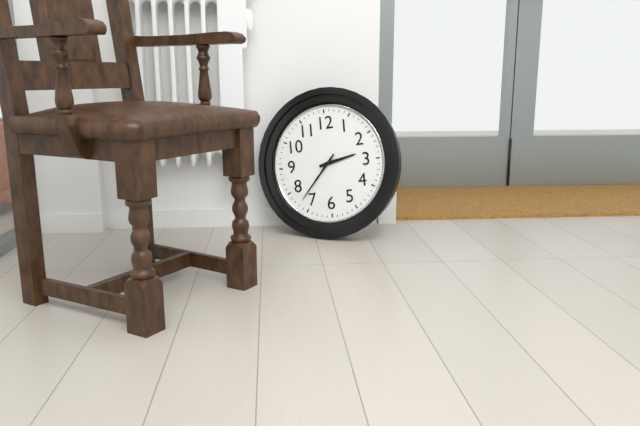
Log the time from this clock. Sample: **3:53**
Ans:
**2:37**
